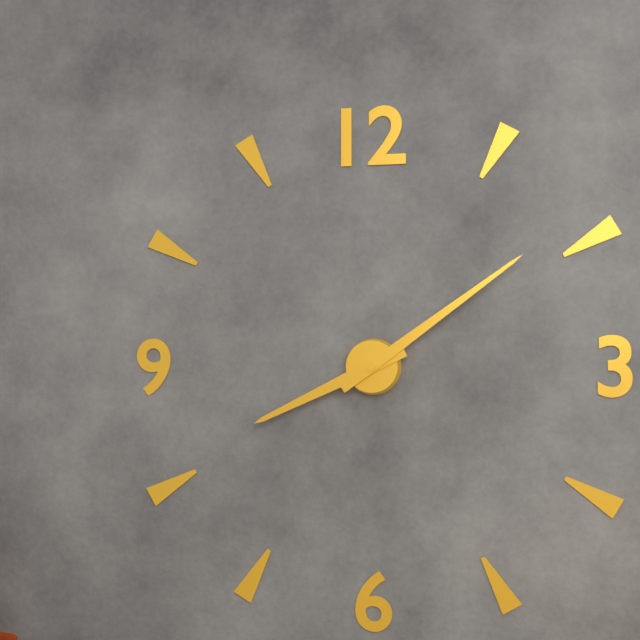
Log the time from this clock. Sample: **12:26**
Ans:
**8:09**
